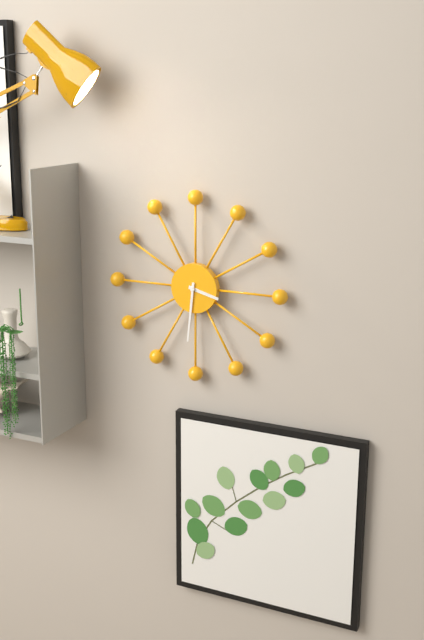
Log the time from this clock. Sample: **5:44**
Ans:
**3:31**
